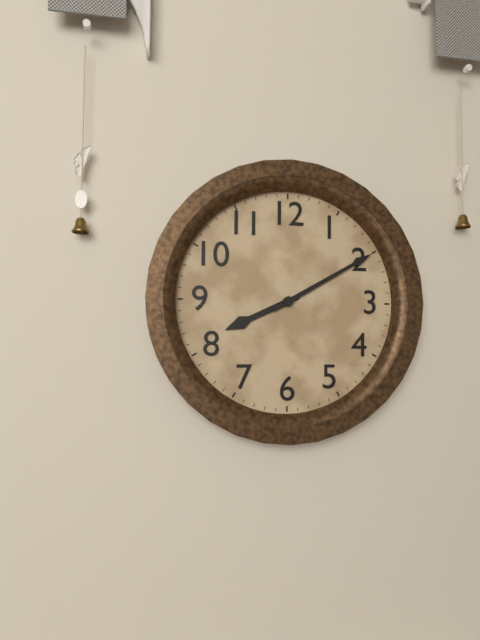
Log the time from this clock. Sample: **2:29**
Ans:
**8:10**
